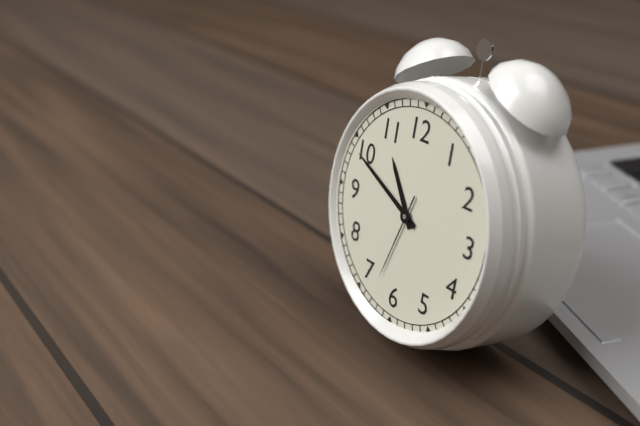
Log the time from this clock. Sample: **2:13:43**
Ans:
**10:49:33**
